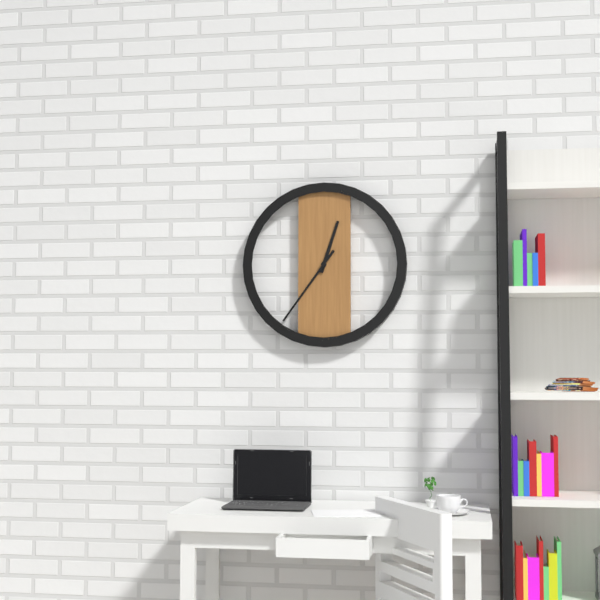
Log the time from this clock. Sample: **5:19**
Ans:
**12:36**
